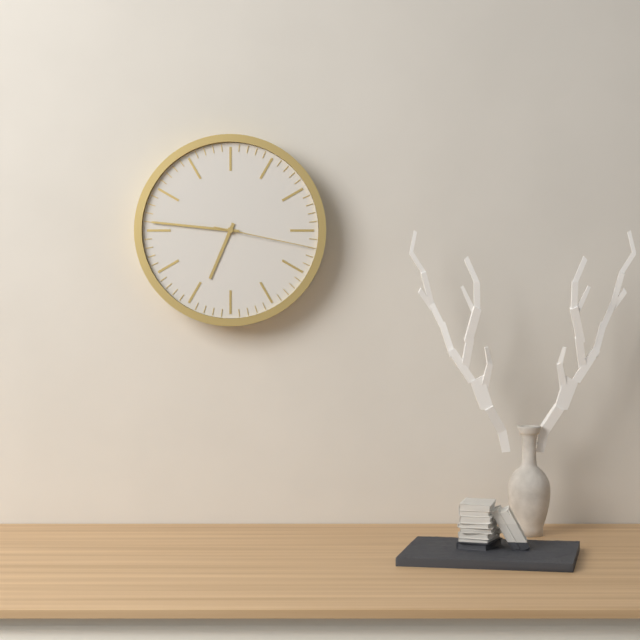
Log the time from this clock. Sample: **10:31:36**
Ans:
**6:46:17**
